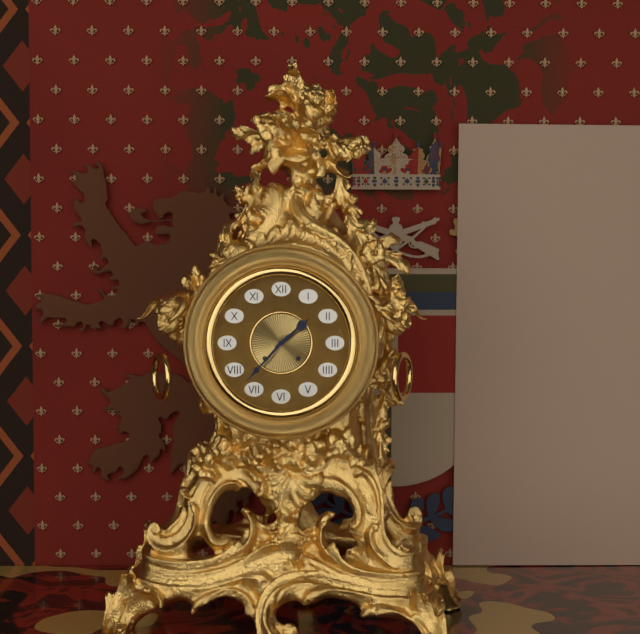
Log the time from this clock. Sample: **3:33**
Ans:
**1:37**
